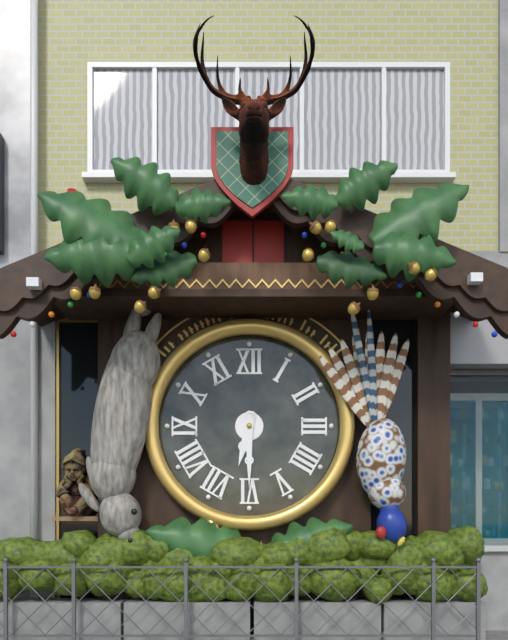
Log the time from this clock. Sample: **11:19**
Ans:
**6:30**
